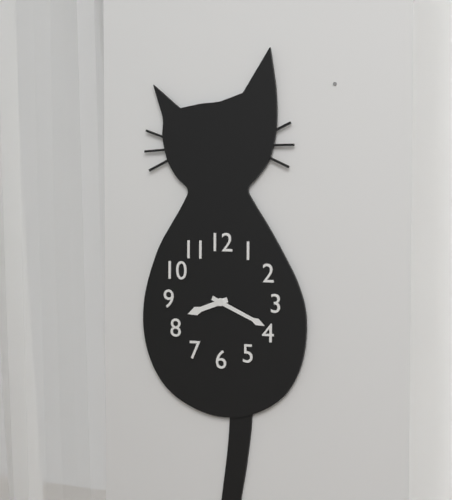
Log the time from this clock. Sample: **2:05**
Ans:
**8:19**
